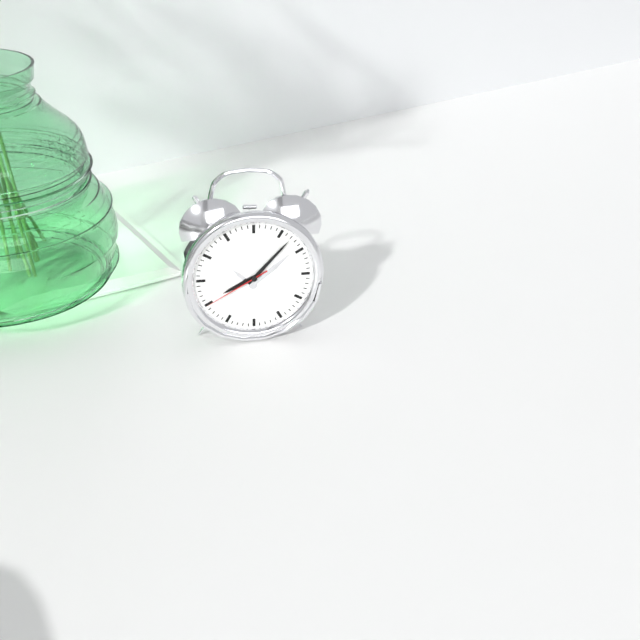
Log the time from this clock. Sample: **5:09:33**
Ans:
**8:07:40**
